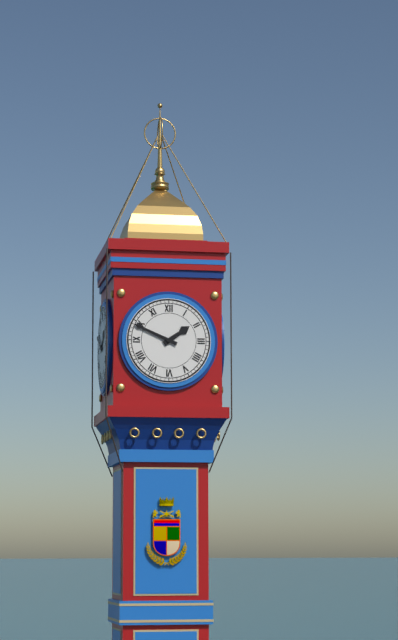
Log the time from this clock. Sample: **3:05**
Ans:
**1:49**
